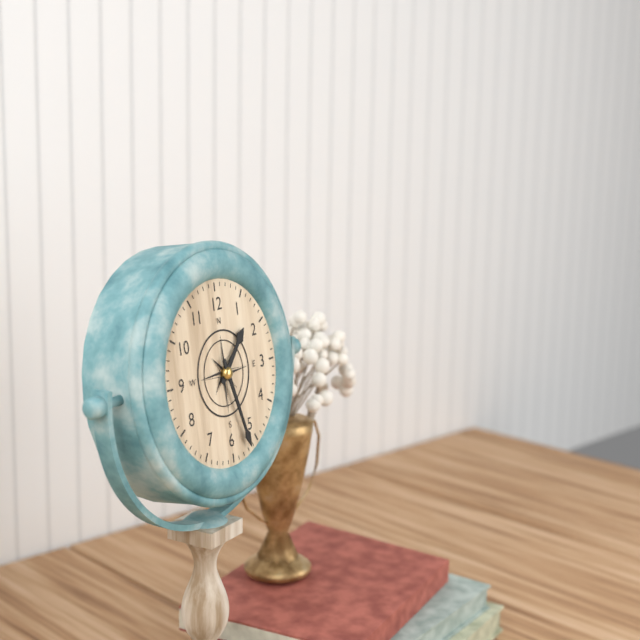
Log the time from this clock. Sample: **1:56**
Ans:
**1:27**
